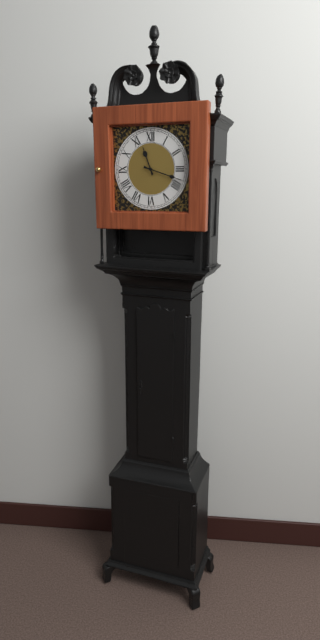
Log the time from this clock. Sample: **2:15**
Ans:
**11:18**
